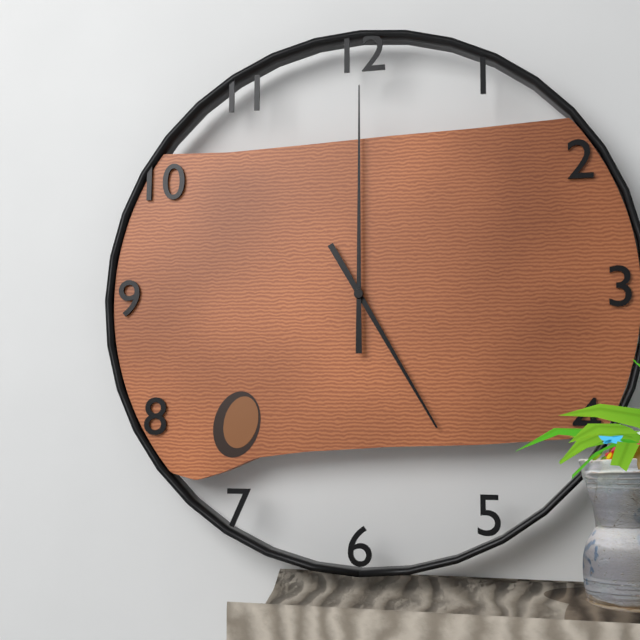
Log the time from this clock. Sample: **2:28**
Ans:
**5:00**
